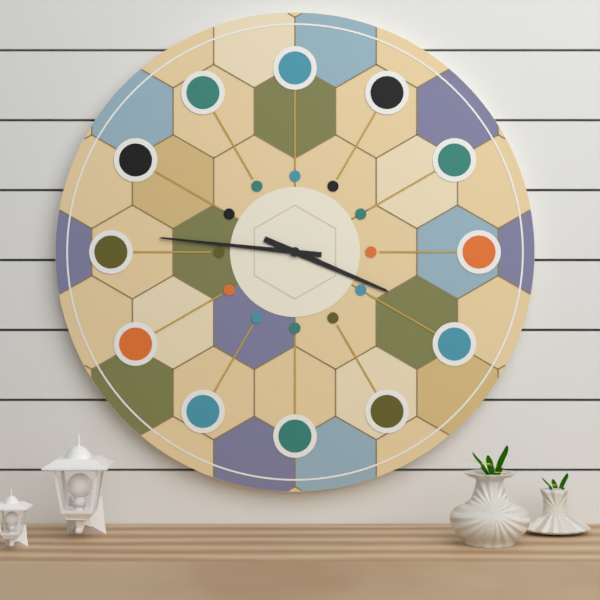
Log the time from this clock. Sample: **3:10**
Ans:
**3:46**
